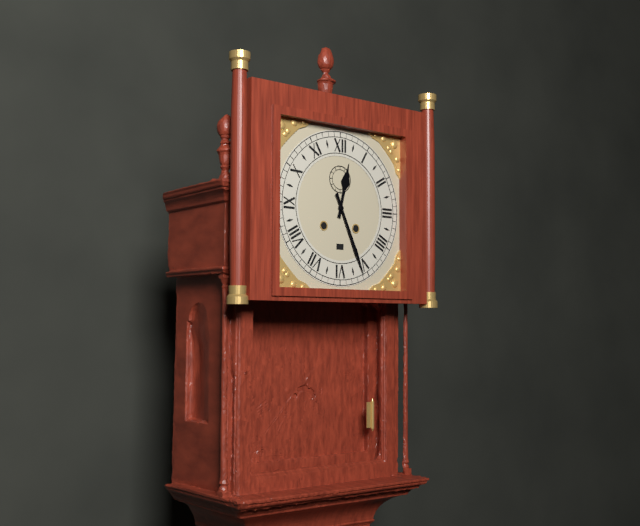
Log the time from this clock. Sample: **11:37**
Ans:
**12:26**
